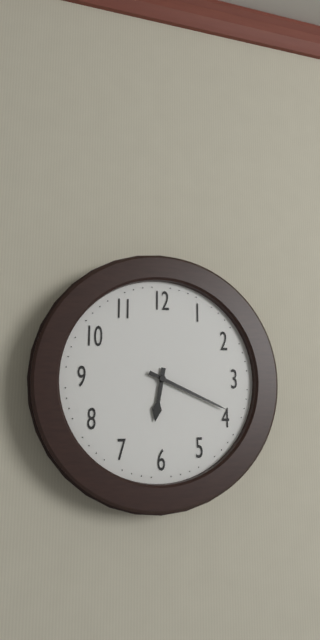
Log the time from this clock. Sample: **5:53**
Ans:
**6:19**
